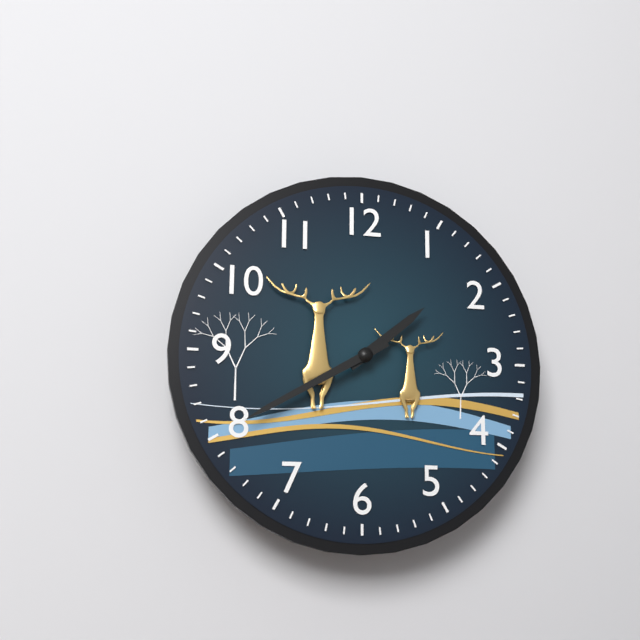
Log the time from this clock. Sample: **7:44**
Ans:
**1:40**
